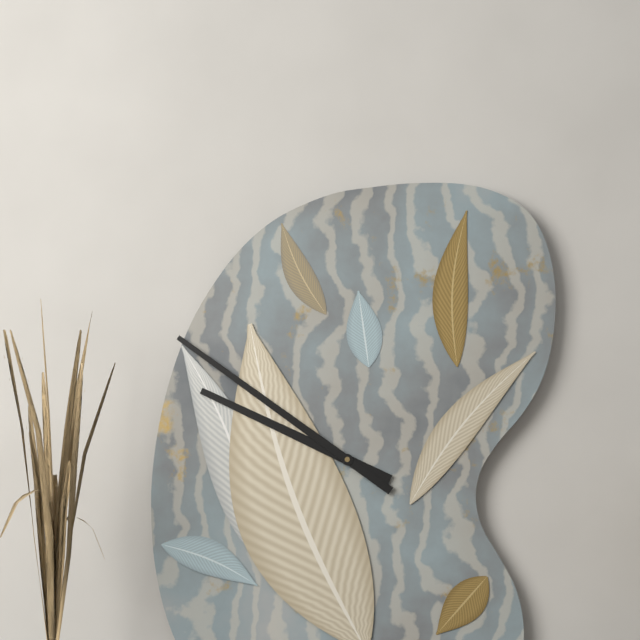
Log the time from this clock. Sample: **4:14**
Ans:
**9:51**
